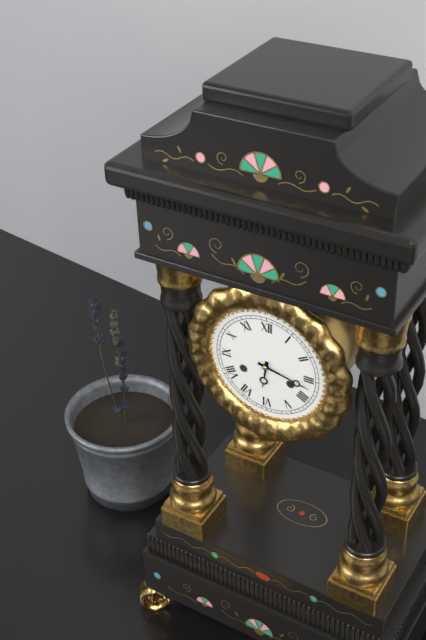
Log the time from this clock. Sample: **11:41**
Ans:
**6:17**
